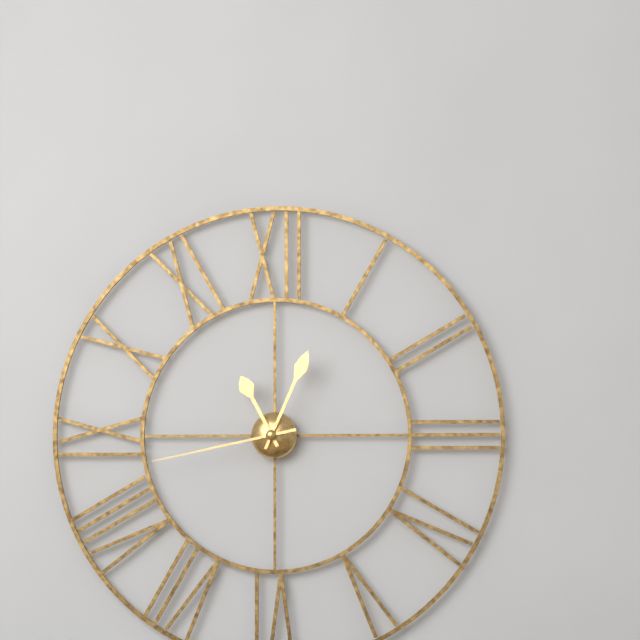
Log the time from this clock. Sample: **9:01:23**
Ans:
**11:04:43**
